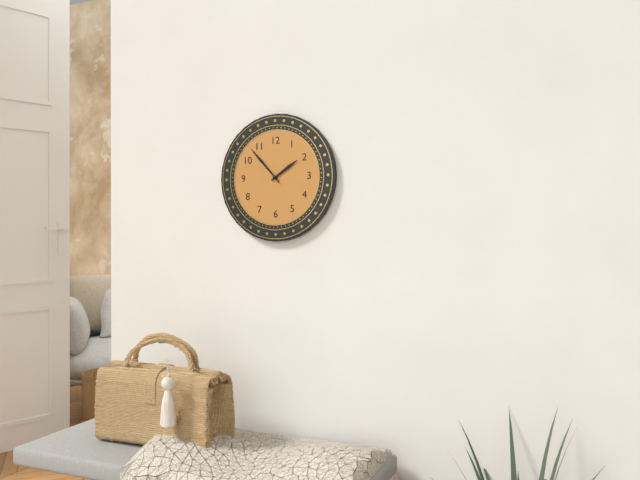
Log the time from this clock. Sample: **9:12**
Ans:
**1:53**
